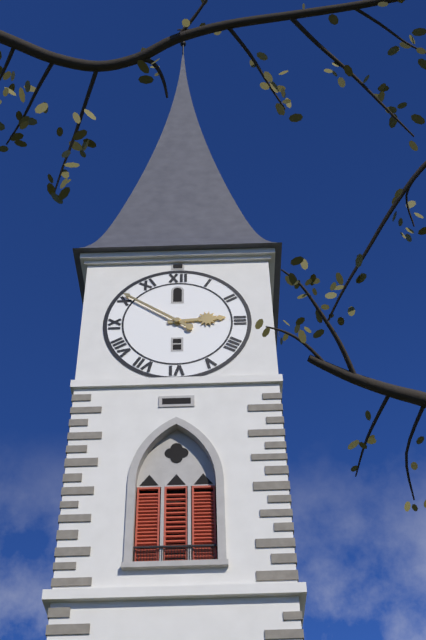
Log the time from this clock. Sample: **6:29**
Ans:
**2:51**
